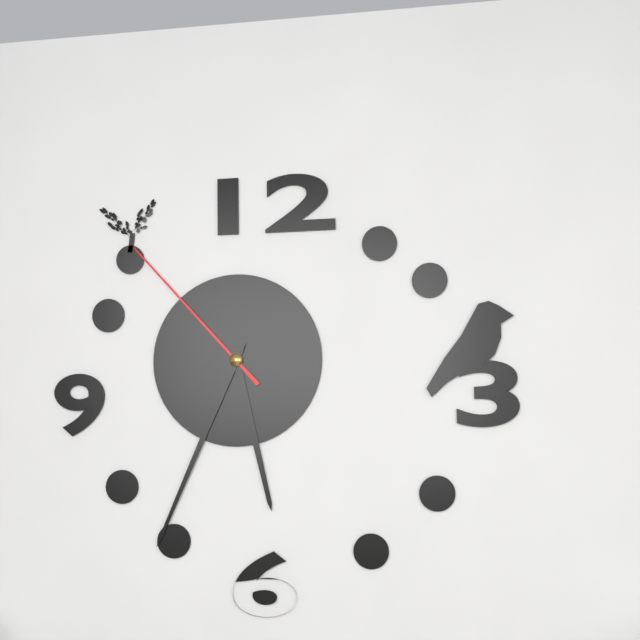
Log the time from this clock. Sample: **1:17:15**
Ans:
**5:34:53**
